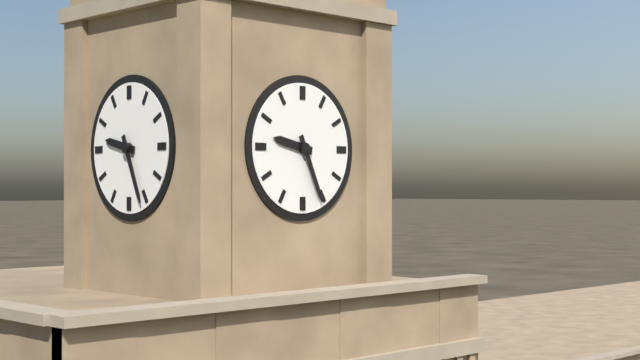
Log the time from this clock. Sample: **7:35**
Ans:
**9:26**
